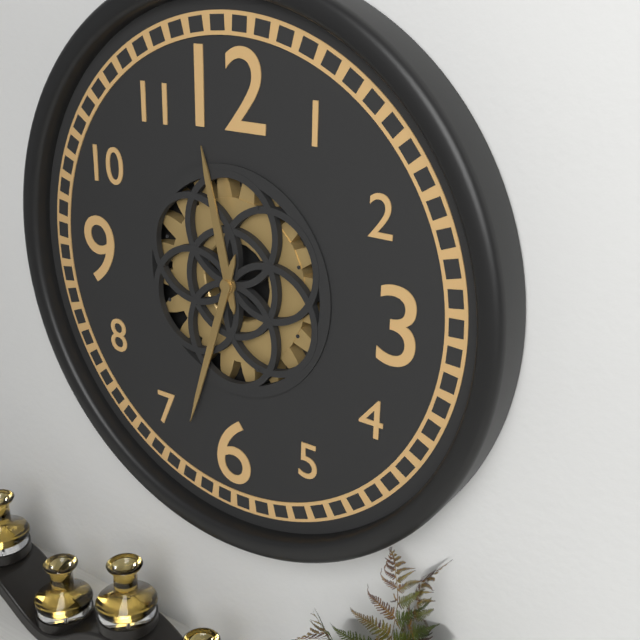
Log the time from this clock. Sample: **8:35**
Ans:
**11:33**
